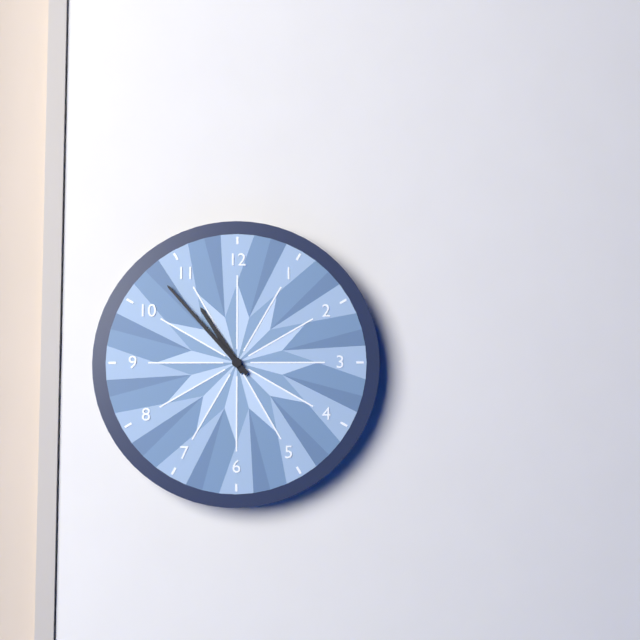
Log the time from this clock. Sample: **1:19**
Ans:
**10:53**
